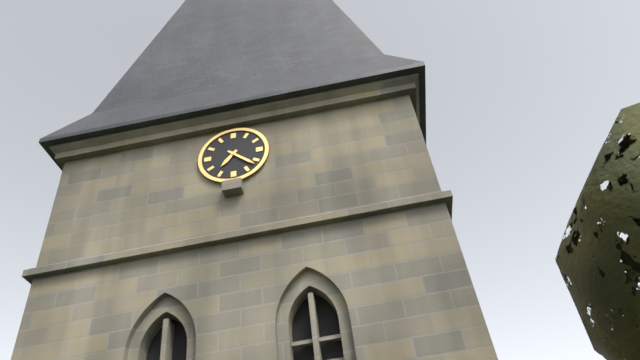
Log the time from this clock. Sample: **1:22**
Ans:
**7:22**
